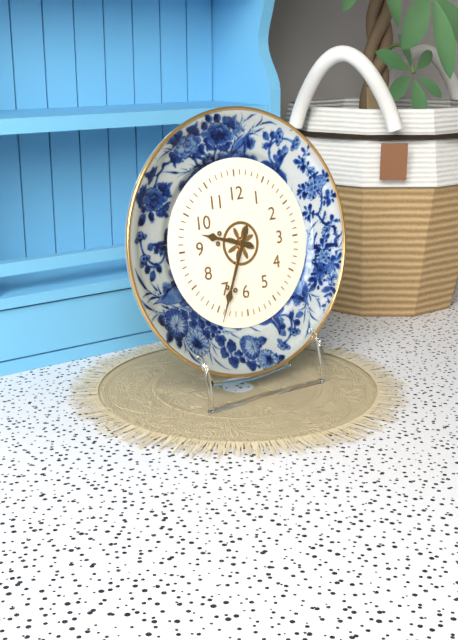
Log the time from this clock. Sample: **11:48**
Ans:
**9:34**
